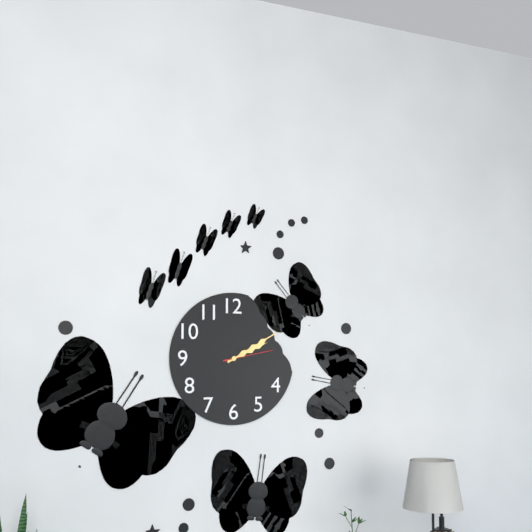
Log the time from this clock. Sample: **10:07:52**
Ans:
**2:10:13**
